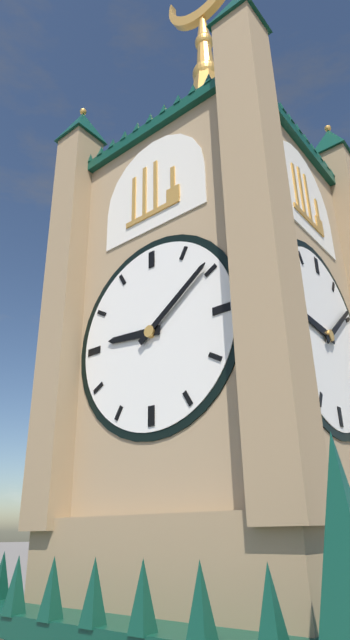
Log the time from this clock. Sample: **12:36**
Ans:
**9:09**
